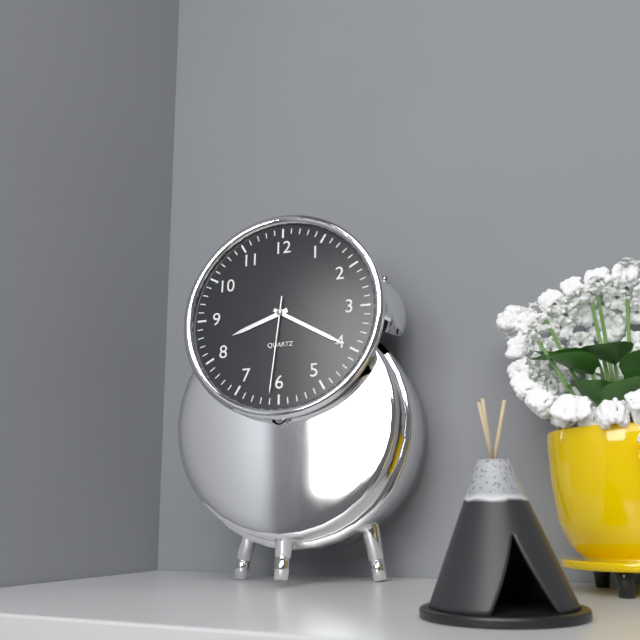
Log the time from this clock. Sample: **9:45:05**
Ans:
**8:20:31**
